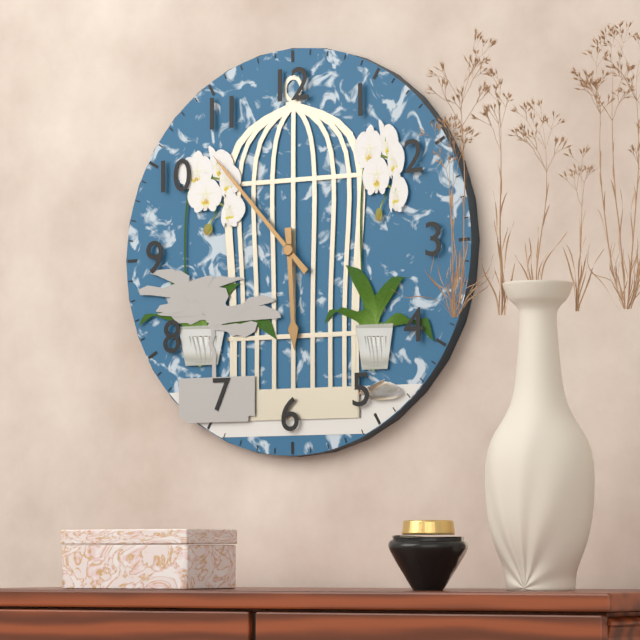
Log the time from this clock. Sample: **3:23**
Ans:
**5:53**
